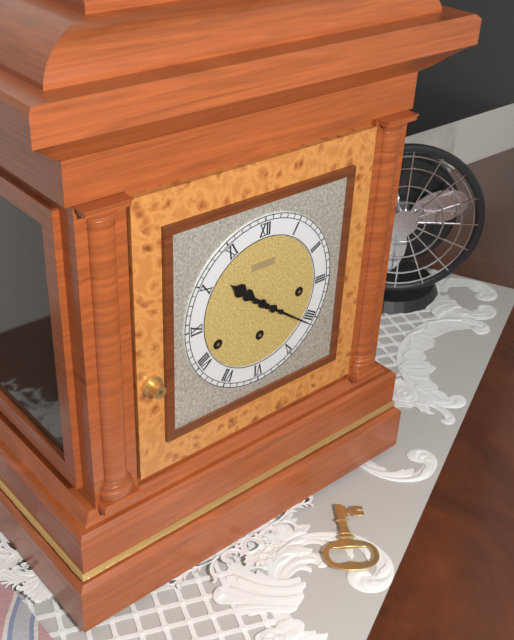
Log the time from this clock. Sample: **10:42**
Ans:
**10:21**
